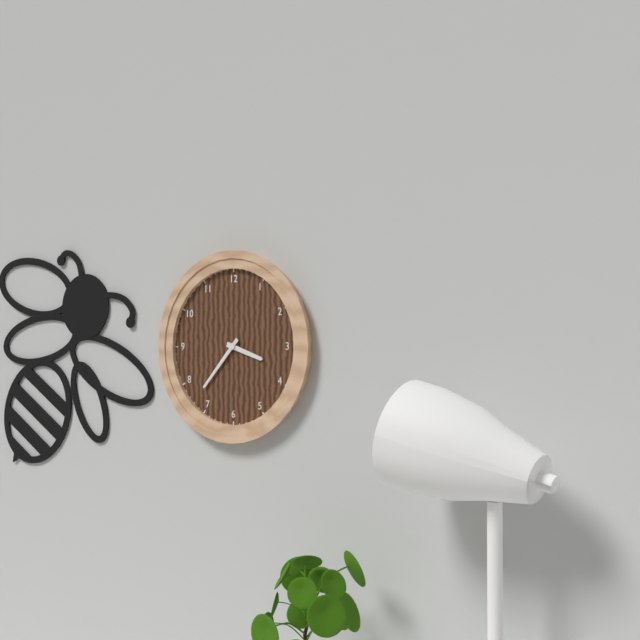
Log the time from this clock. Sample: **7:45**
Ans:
**3:37**
